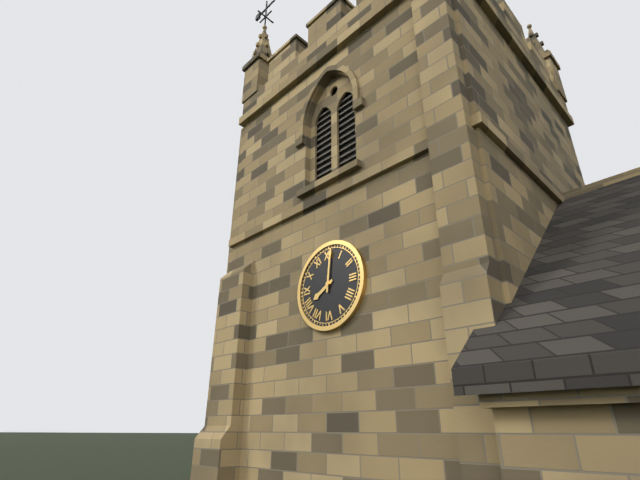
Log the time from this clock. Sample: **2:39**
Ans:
**8:01**
